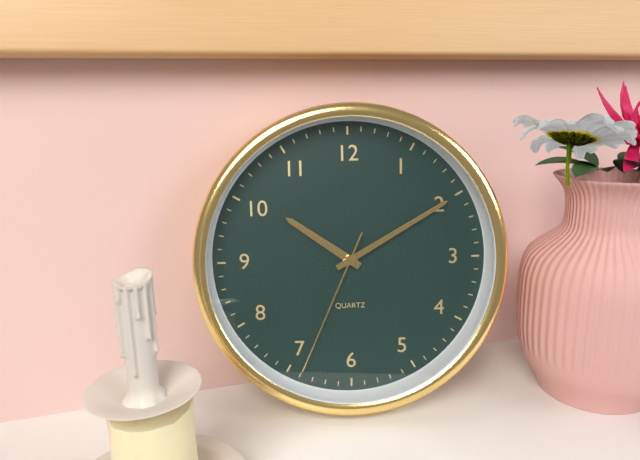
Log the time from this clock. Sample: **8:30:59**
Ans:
**10:10:34**
